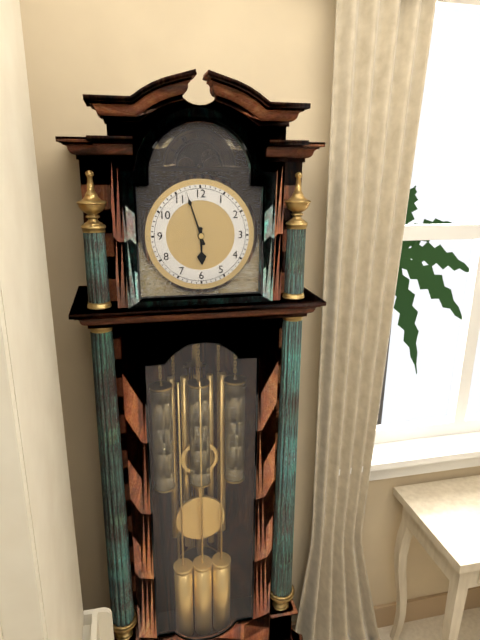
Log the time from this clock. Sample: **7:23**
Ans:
**5:57**
